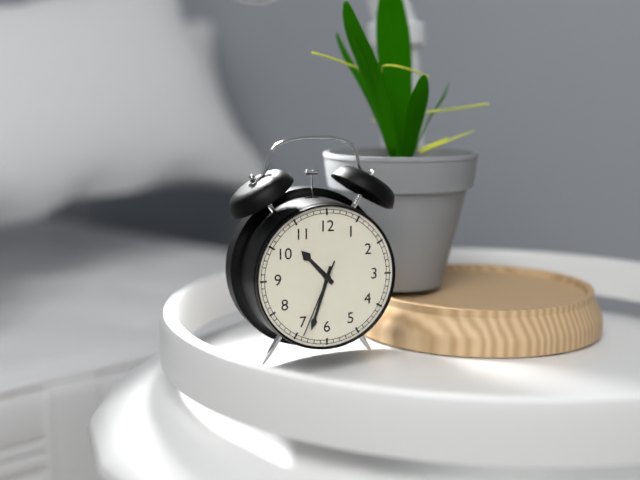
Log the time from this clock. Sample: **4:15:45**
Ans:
**10:33:34**
